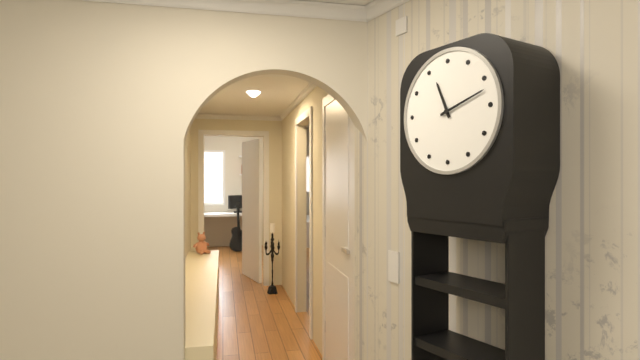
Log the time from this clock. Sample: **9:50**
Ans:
**11:12**
